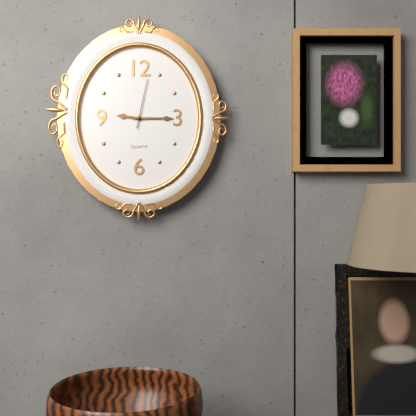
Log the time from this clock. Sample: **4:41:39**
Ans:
**9:15:02**
